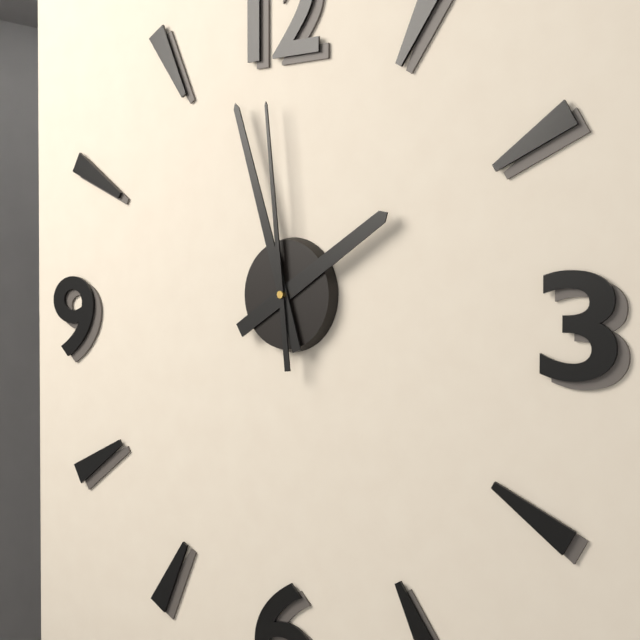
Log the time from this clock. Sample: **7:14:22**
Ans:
**1:57:59**
